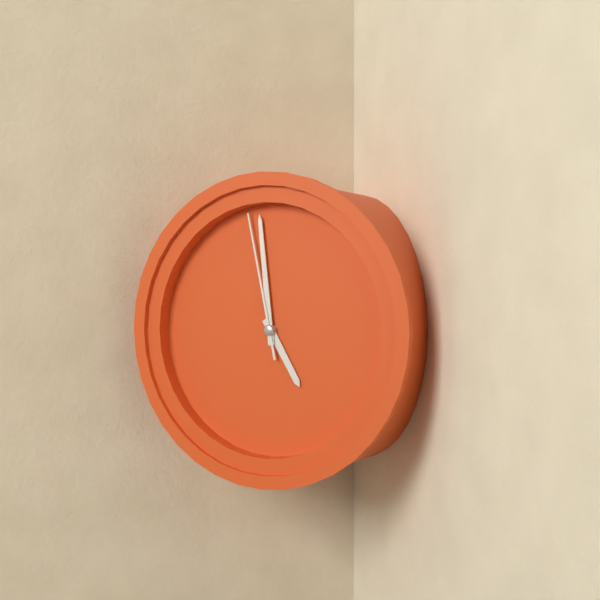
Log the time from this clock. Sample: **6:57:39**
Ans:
**4:59:58**
